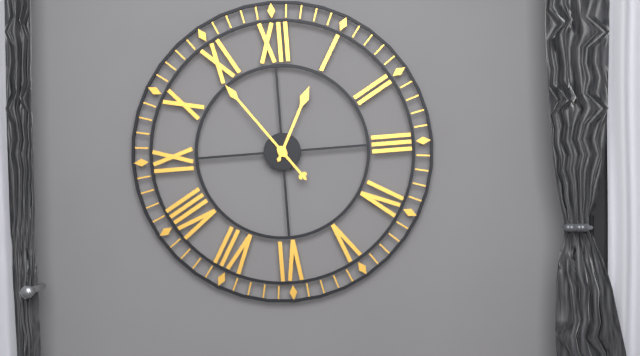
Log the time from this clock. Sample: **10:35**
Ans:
**12:54**
